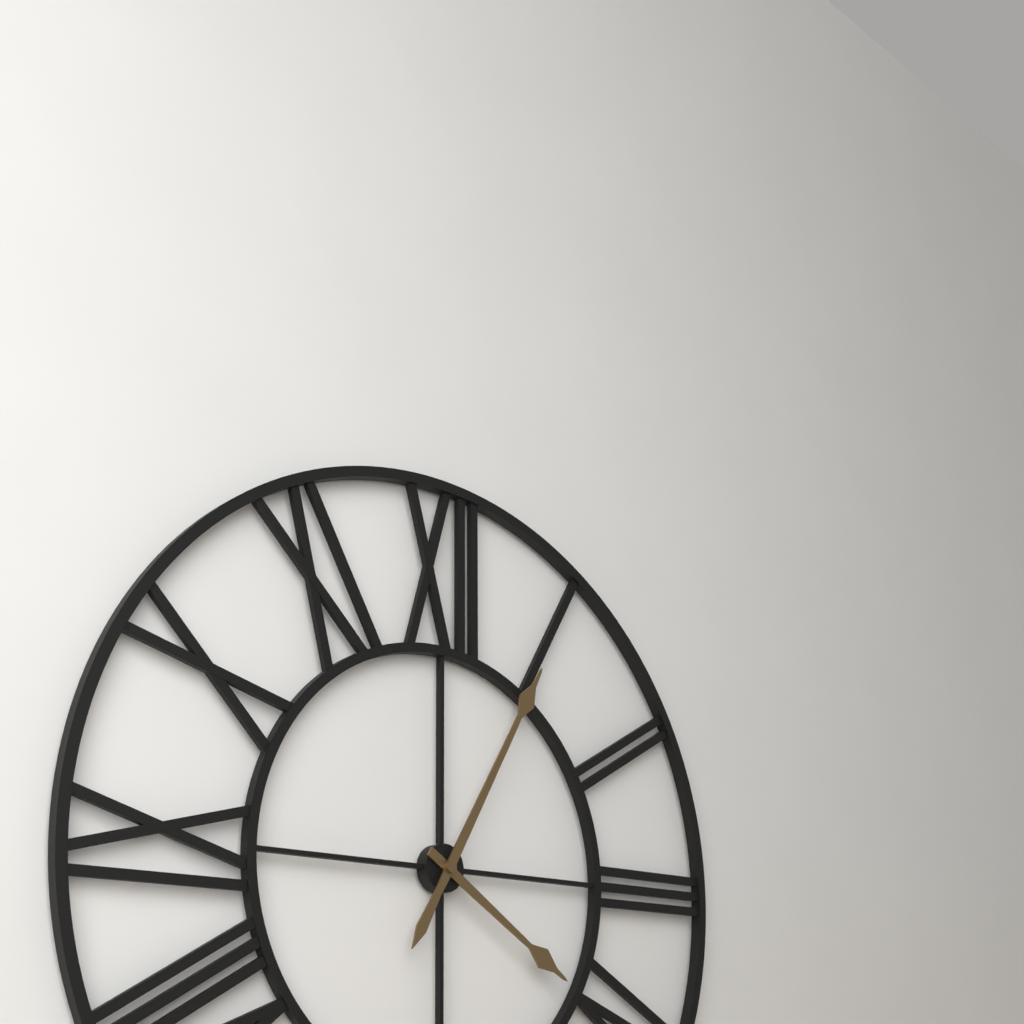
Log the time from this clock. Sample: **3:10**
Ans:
**4:05**
